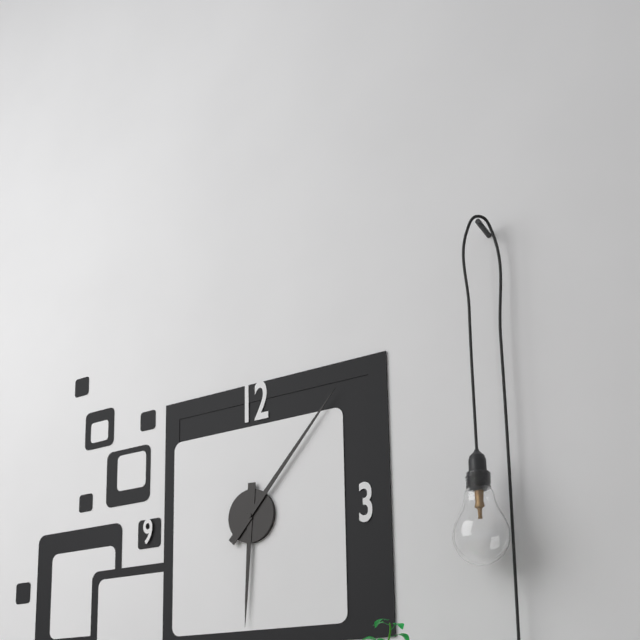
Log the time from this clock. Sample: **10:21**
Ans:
**6:07**
